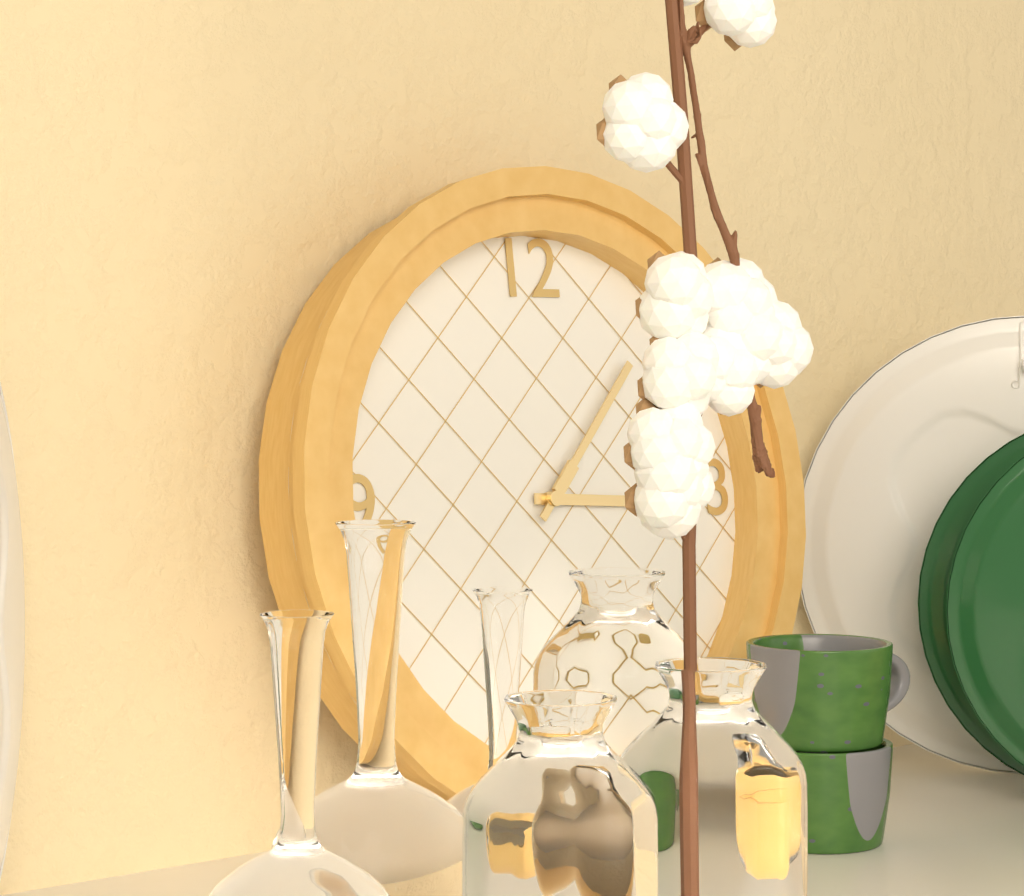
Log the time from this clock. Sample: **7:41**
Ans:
**3:07**
